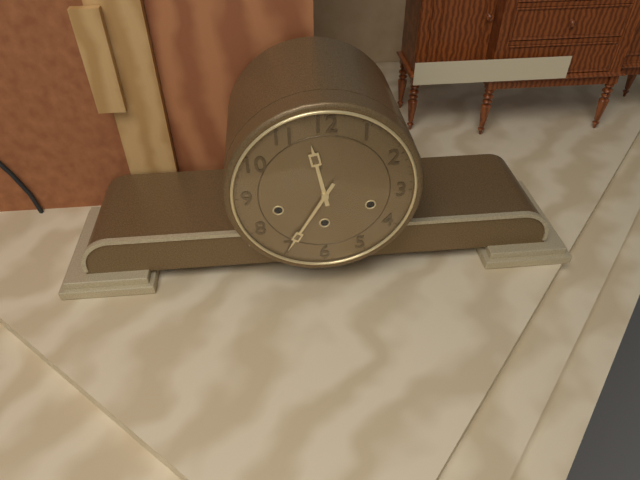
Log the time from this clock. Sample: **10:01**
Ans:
**11:35**
